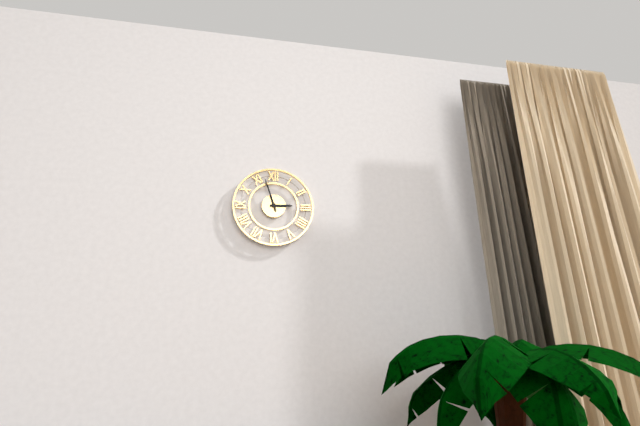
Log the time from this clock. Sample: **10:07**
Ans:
**2:57**
